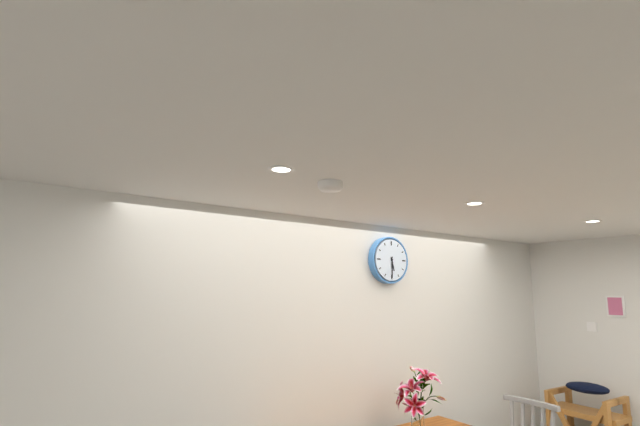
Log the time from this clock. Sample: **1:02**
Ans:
**5:30**
